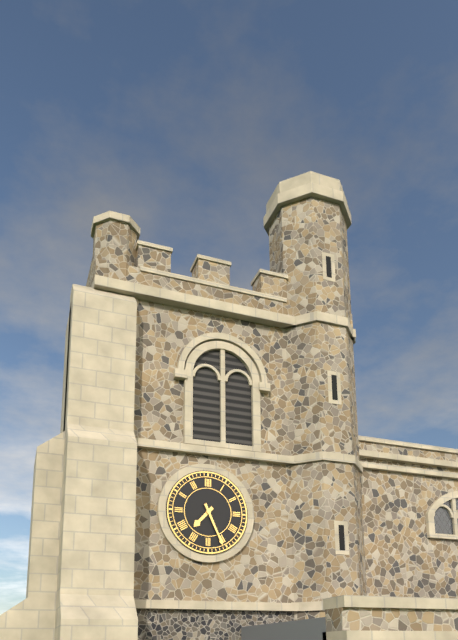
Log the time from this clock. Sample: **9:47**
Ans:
**7:26**
